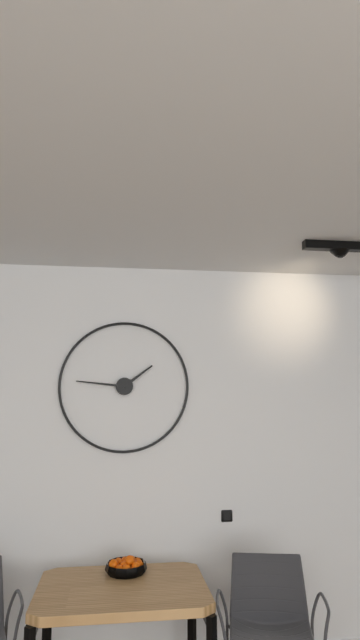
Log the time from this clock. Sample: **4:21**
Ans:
**1:46**
